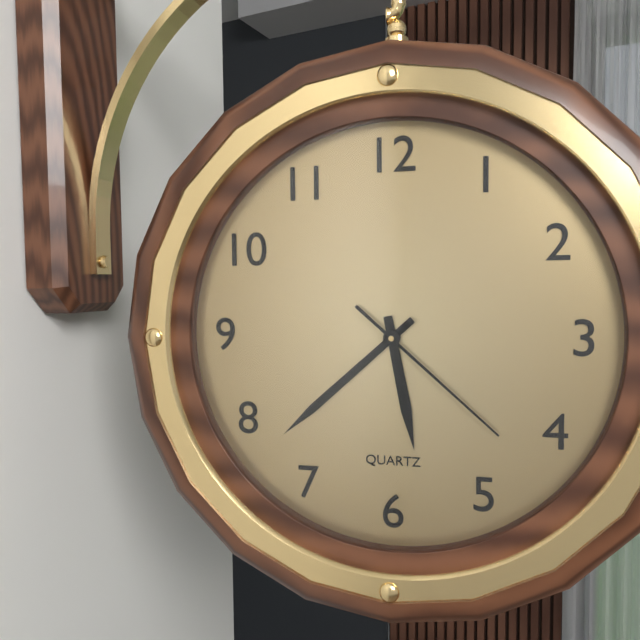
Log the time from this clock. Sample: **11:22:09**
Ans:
**5:38:22**
